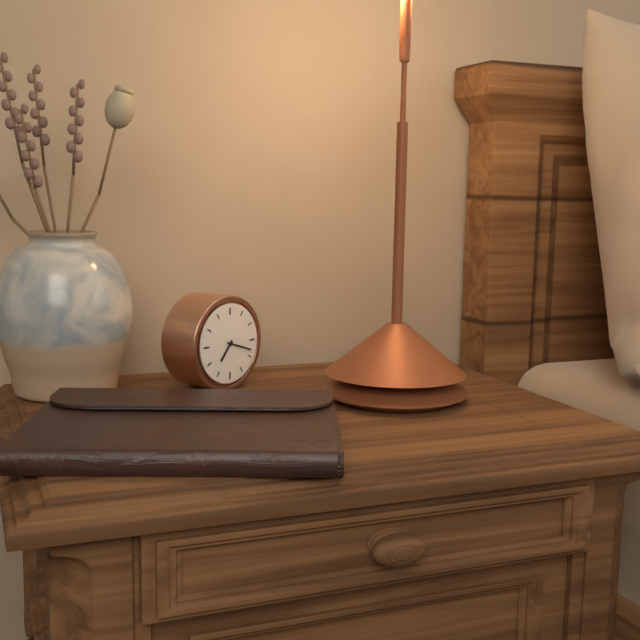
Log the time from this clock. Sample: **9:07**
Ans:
**7:18**
